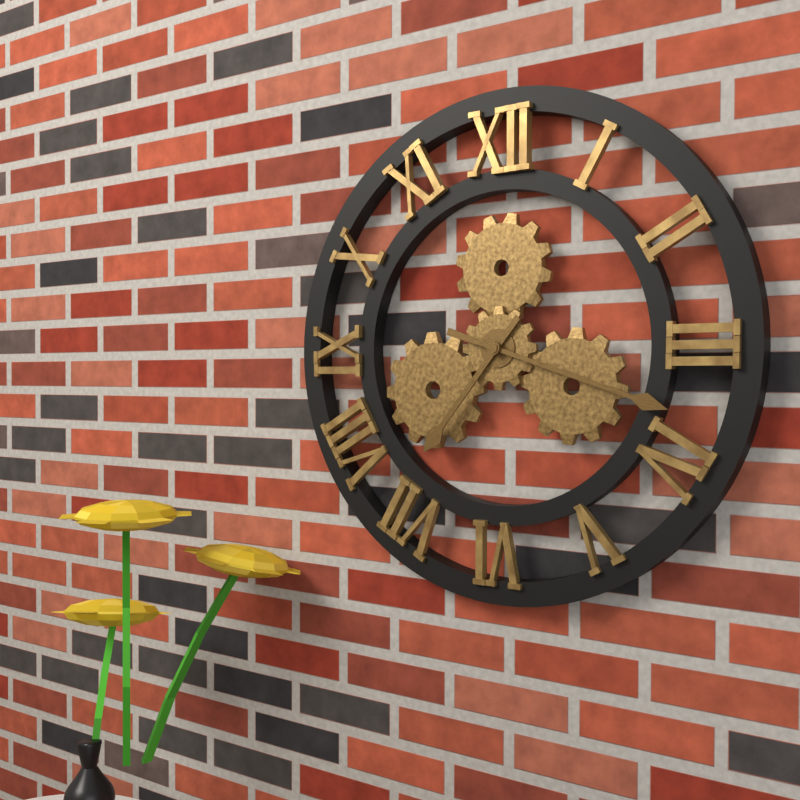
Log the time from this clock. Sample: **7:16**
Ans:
**7:18**
